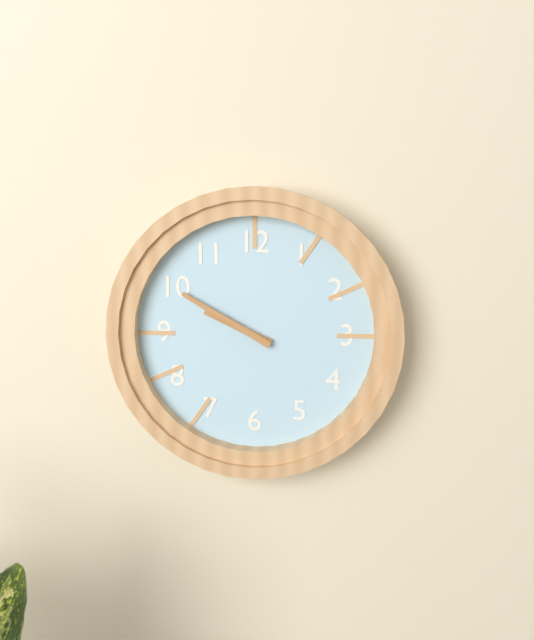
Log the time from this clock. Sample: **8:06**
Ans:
**9:50**
